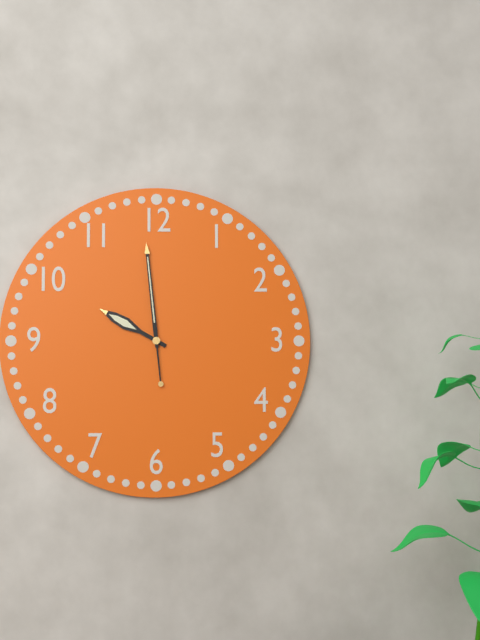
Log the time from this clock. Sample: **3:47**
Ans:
**9:59**
